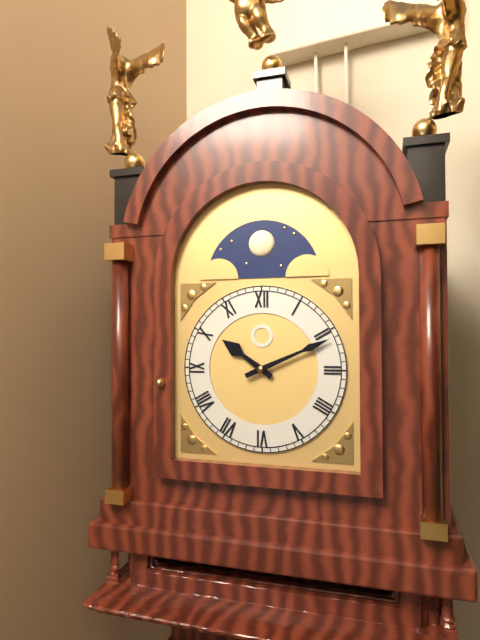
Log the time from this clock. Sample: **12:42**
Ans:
**10:11**
